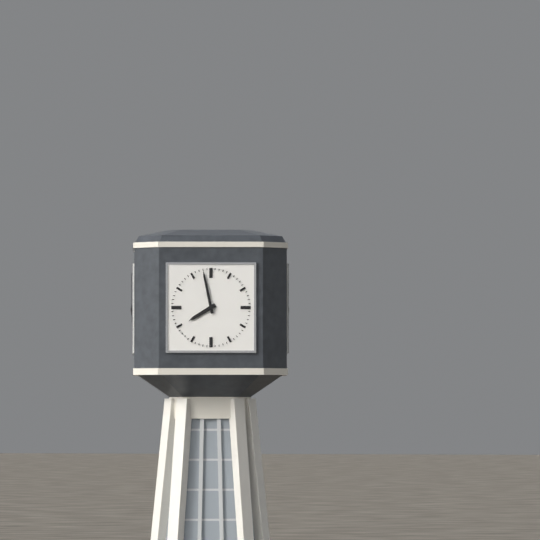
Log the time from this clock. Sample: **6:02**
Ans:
**7:58**
